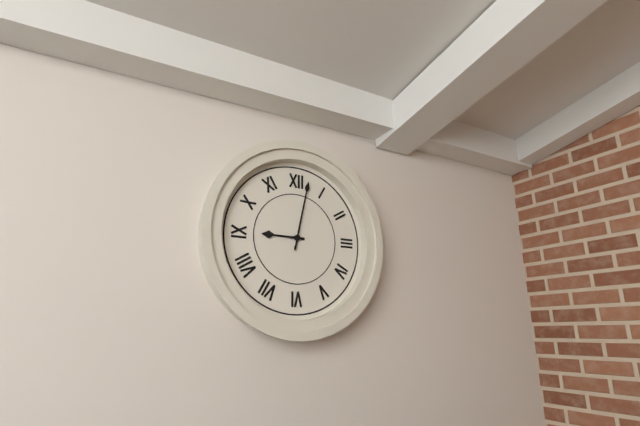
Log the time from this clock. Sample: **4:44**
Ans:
**9:02**
